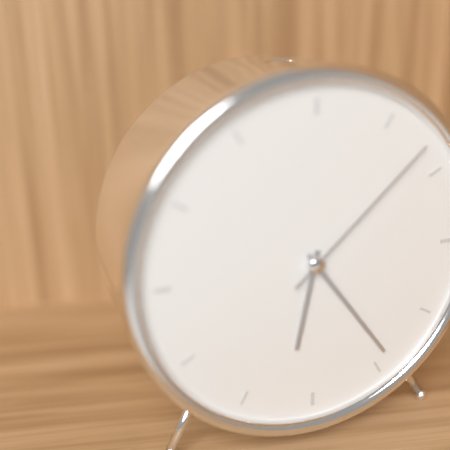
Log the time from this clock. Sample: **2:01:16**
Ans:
**6:24:08**
